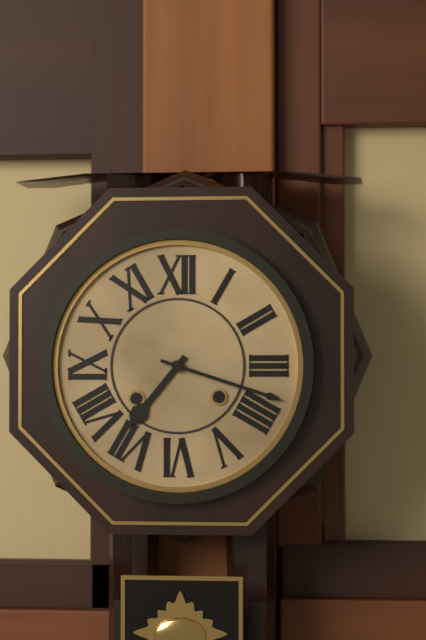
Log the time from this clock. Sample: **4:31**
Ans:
**7:18**
